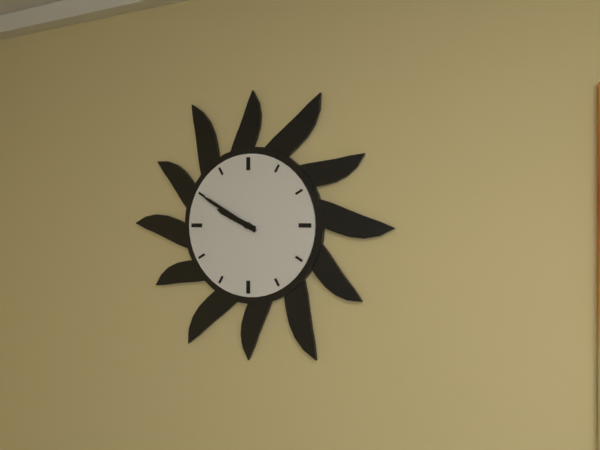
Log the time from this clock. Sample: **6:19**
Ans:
**9:50**
